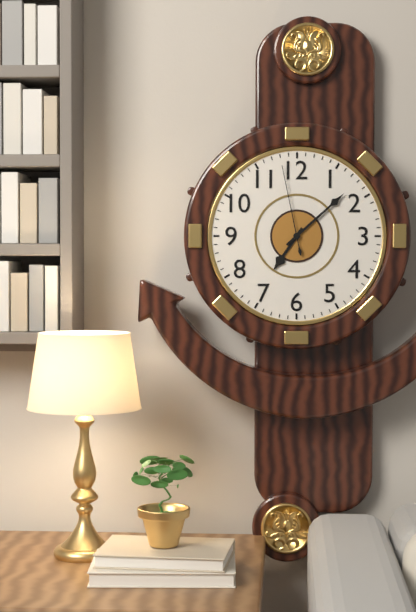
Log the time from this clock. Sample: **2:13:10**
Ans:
**7:08:58**
